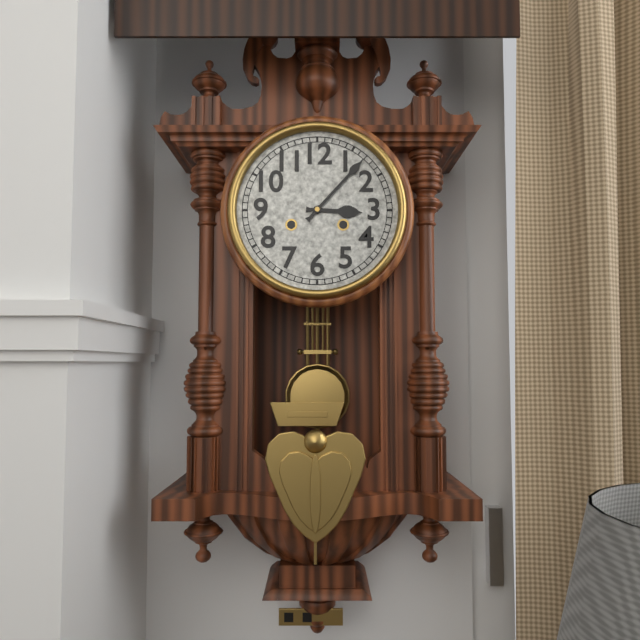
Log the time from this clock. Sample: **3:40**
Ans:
**3:07**
